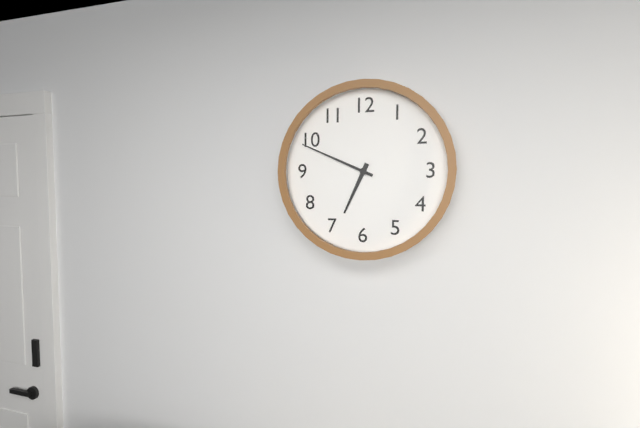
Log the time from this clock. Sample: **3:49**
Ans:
**6:49**
